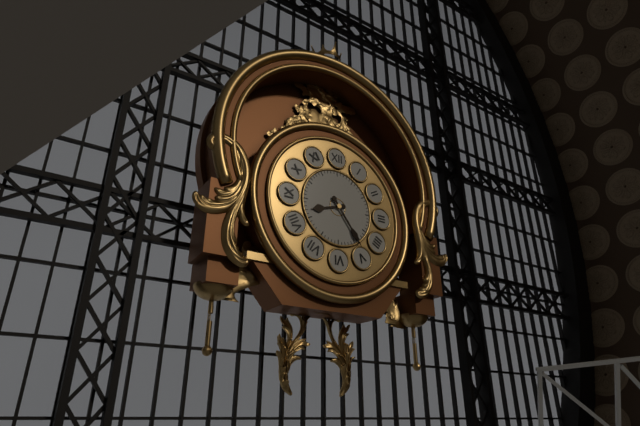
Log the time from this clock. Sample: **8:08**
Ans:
**8:24**
